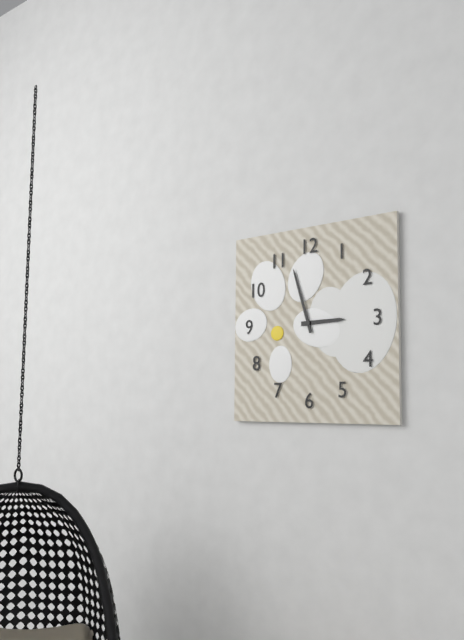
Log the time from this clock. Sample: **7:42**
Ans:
**2:57**
